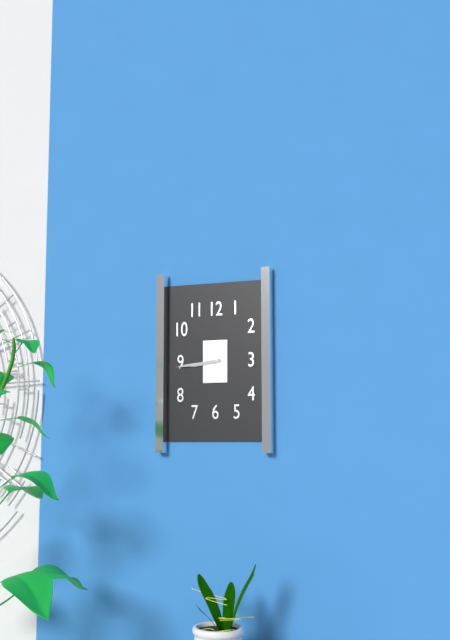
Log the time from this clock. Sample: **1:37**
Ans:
**8:44**
